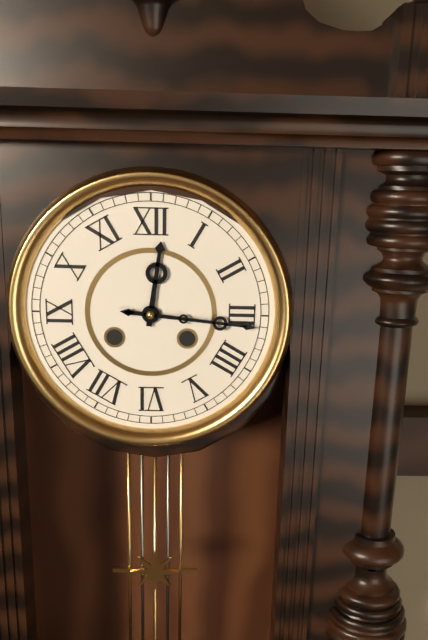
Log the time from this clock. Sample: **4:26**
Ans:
**12:16**
